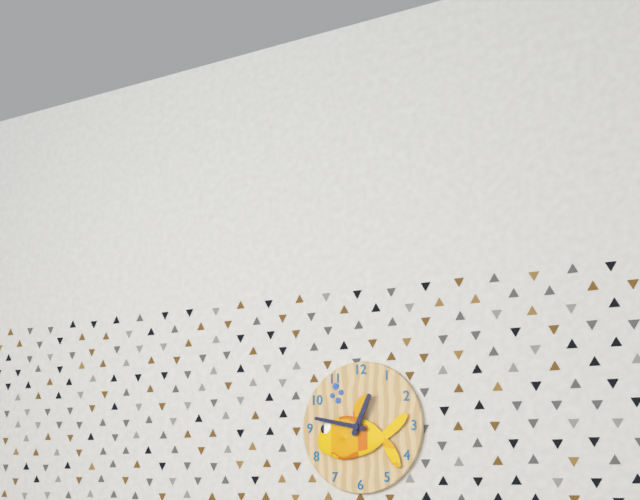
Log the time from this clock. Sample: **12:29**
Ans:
**12:47**
